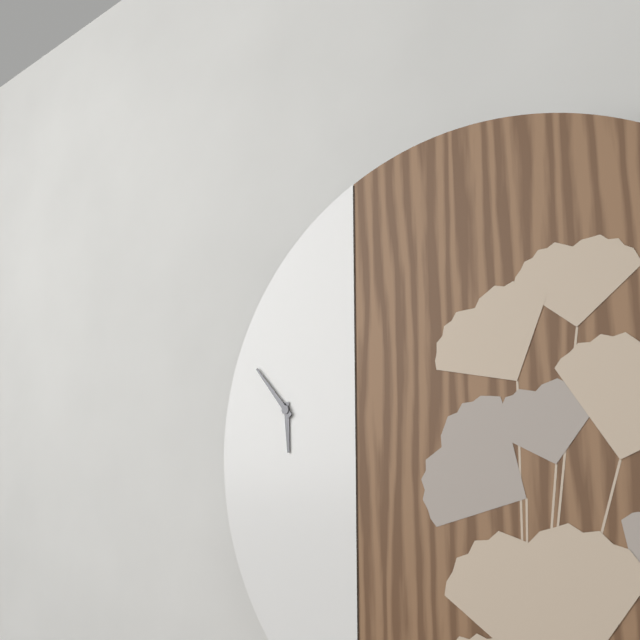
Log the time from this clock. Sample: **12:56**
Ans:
**5:53**
